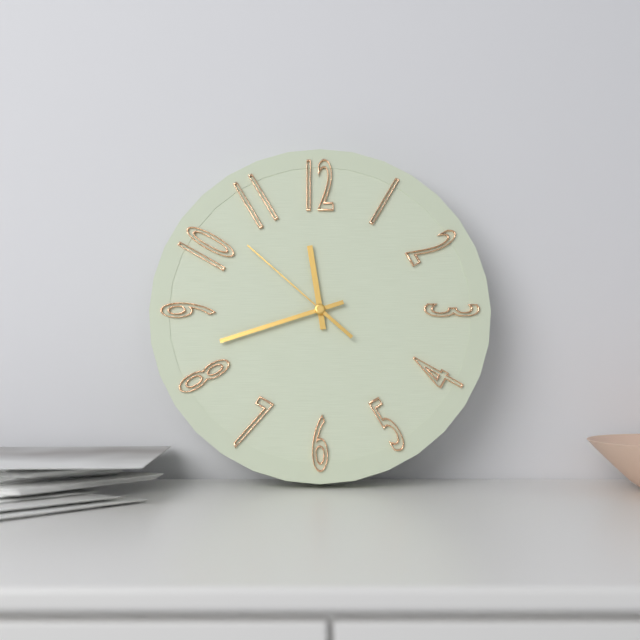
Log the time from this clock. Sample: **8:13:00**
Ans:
**11:42:52**
